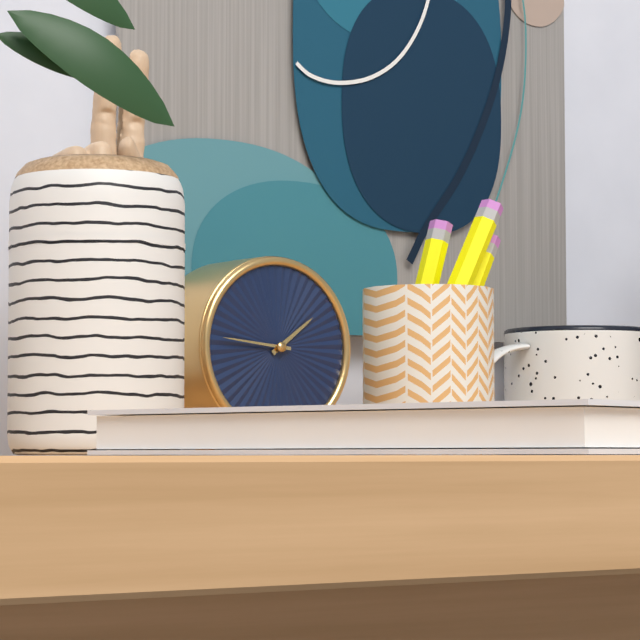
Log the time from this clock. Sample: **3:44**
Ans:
**1:46**
